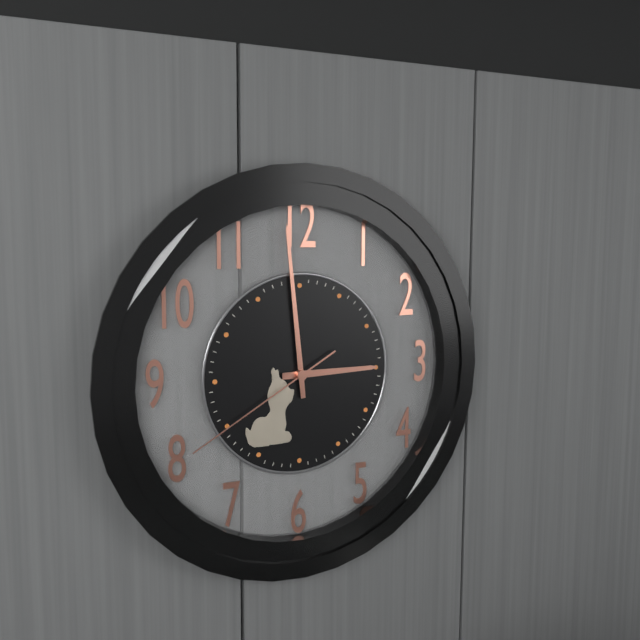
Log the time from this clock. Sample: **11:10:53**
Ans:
**2:59:40**
